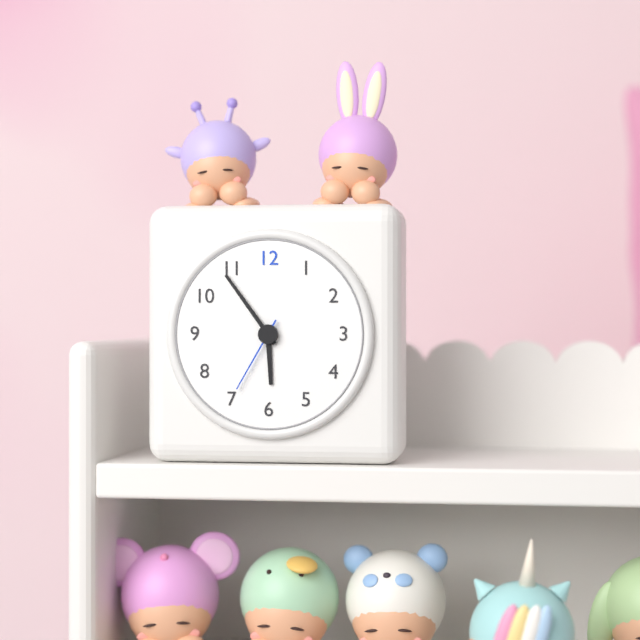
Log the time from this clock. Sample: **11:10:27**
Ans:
**5:54:35**
